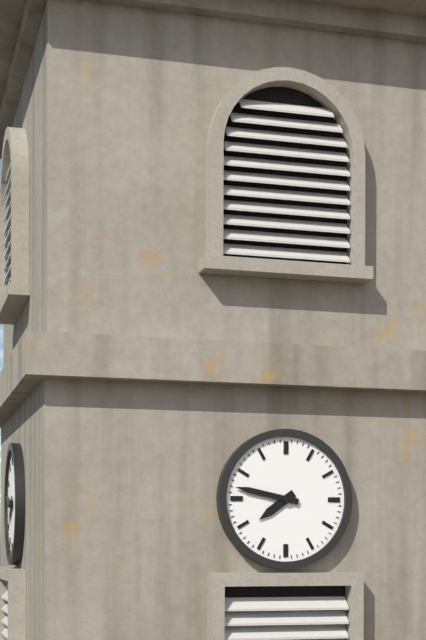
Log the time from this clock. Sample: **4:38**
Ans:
**7:47**
